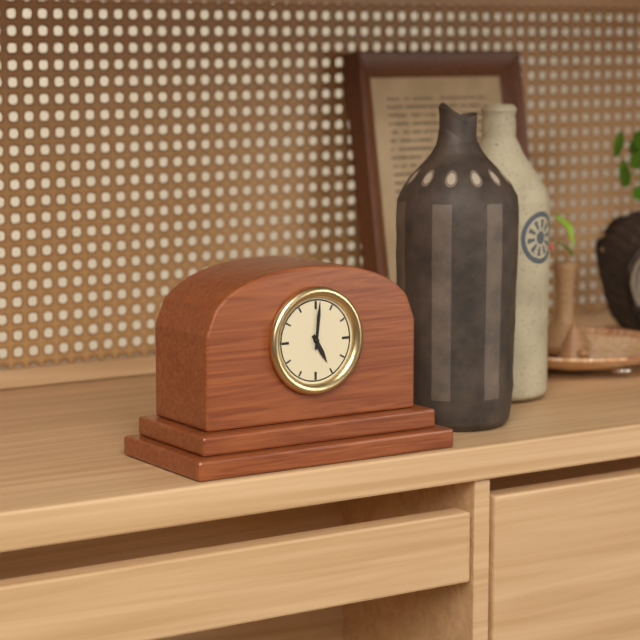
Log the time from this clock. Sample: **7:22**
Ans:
**5:01**
